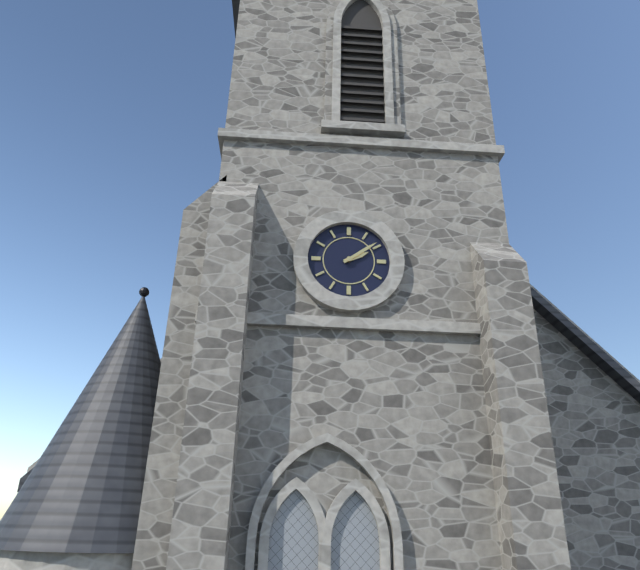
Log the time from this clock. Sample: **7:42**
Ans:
**2:09**
